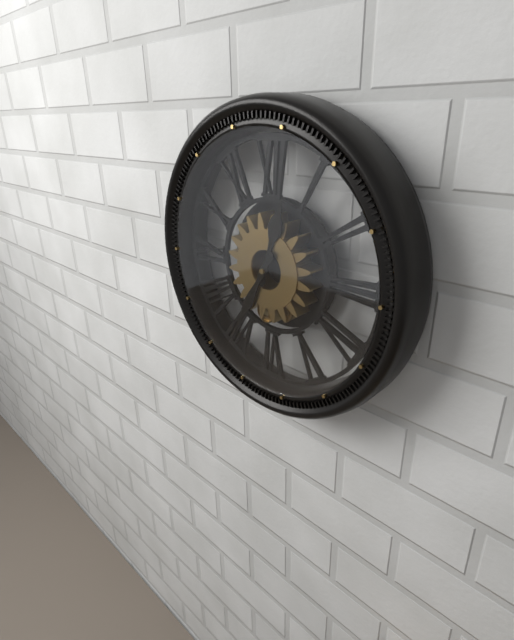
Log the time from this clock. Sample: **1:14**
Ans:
**12:35**
